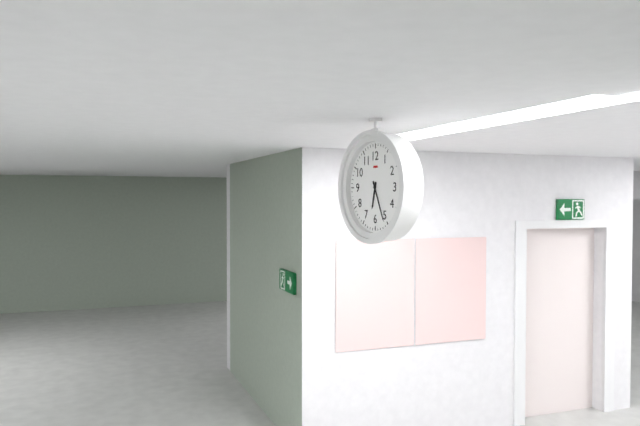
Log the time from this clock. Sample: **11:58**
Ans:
**6:26**
